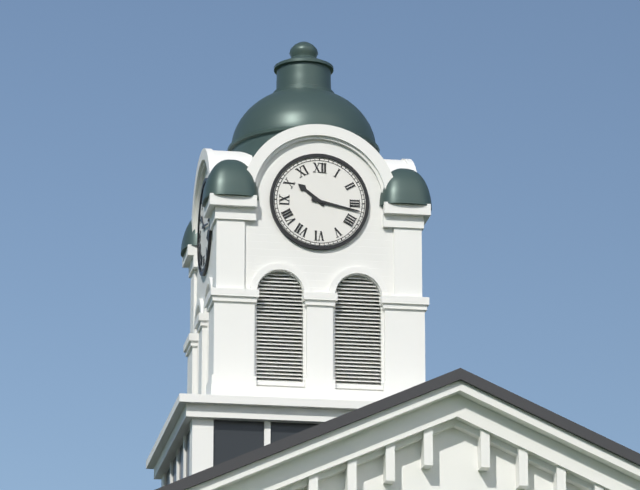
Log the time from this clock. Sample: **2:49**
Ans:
**10:17**
